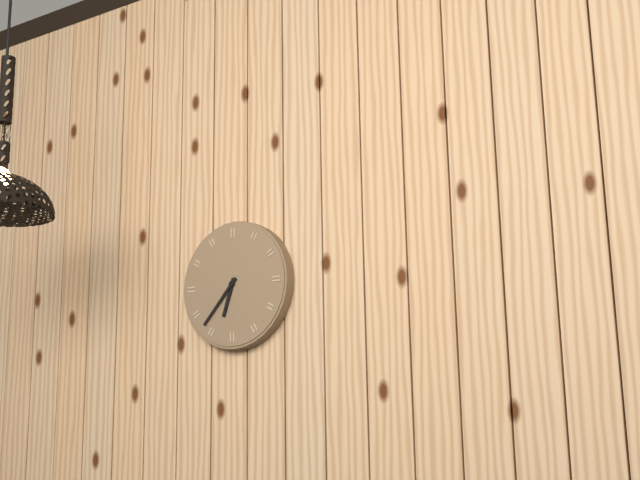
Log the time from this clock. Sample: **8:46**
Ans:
**6:37**
